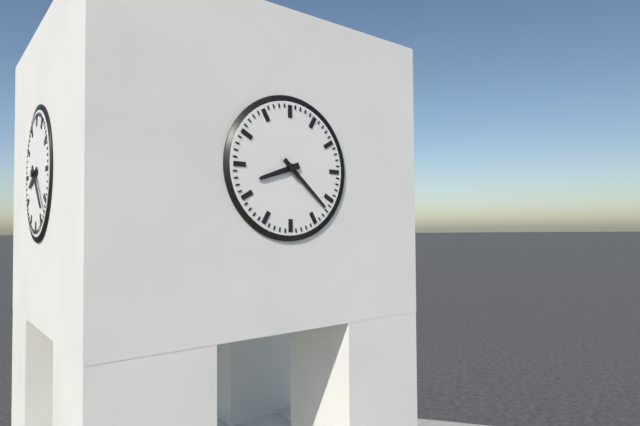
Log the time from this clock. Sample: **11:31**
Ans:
**8:22**
